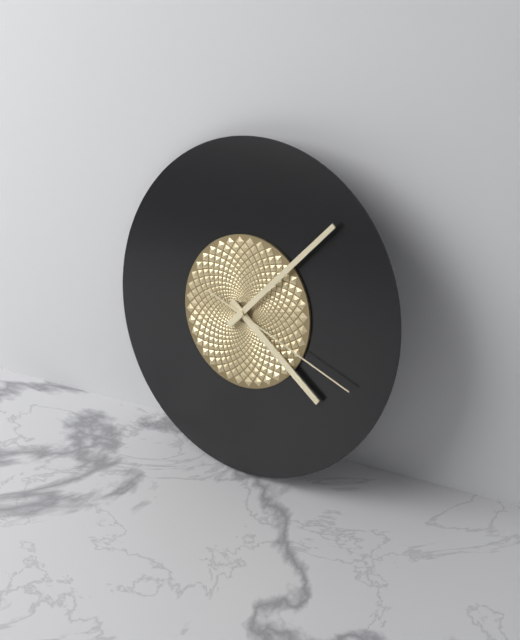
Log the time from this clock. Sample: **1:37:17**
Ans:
**4:07:18**
